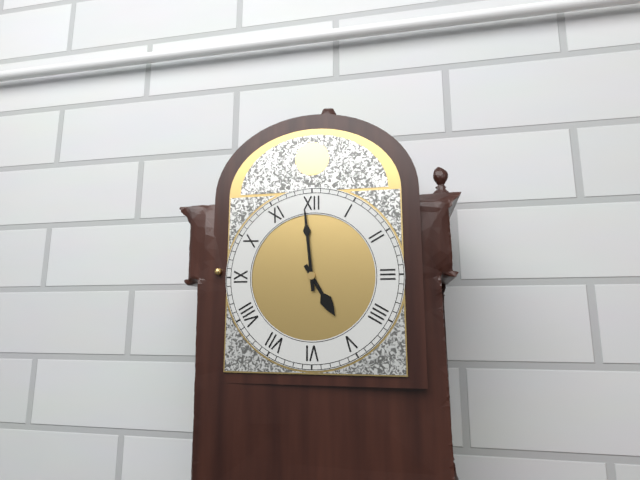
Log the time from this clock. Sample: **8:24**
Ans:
**4:59**
